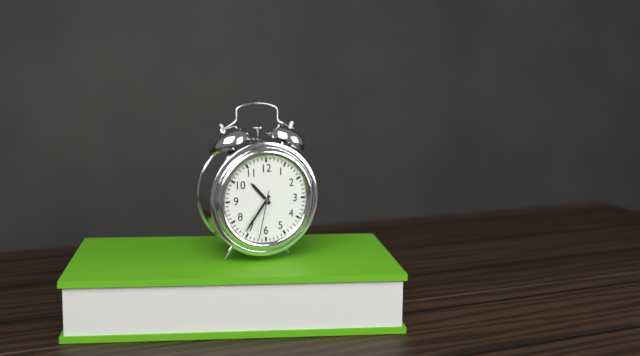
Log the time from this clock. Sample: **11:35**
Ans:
**10:36**
